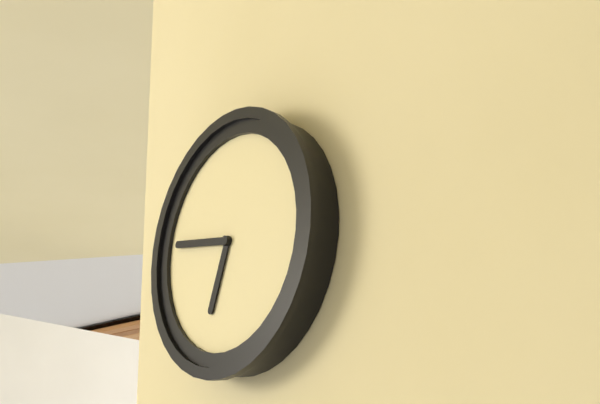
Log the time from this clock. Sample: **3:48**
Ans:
**6:47**
